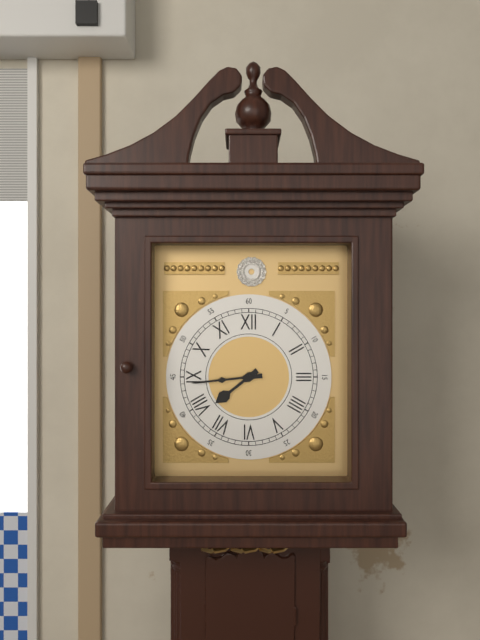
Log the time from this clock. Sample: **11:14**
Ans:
**7:44**
